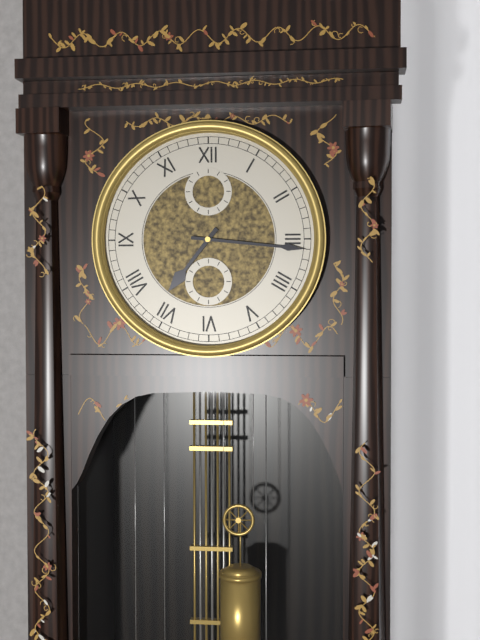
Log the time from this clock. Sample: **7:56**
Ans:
**7:16**
